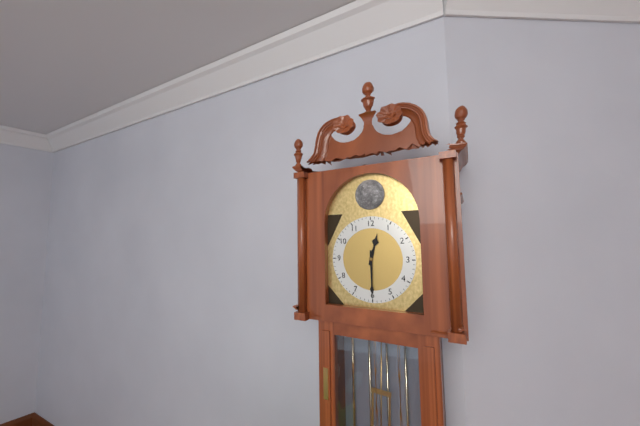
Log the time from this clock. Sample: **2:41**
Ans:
**12:30**
